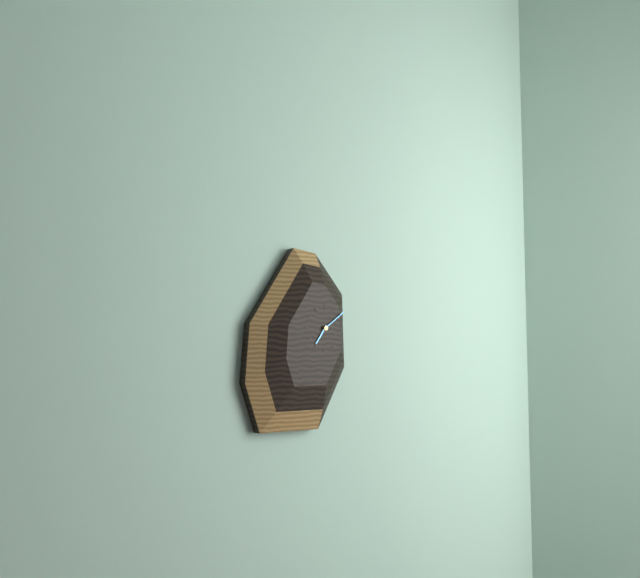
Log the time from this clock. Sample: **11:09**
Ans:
**7:09**
